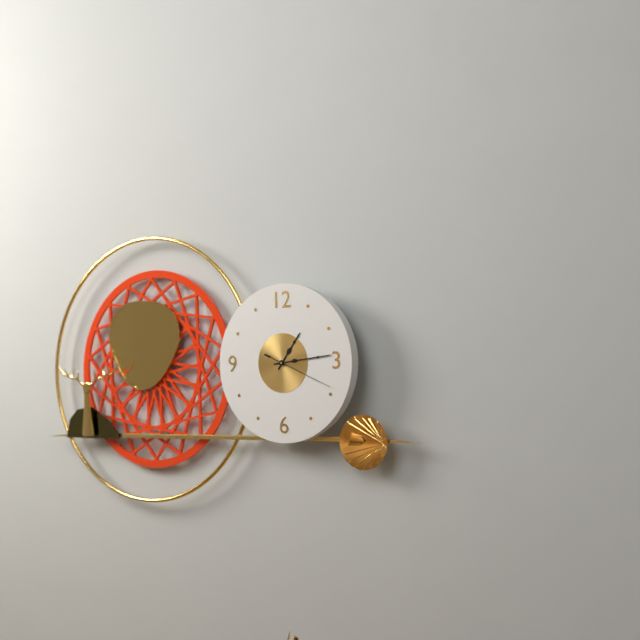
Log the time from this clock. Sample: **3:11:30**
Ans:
**1:14:19**
